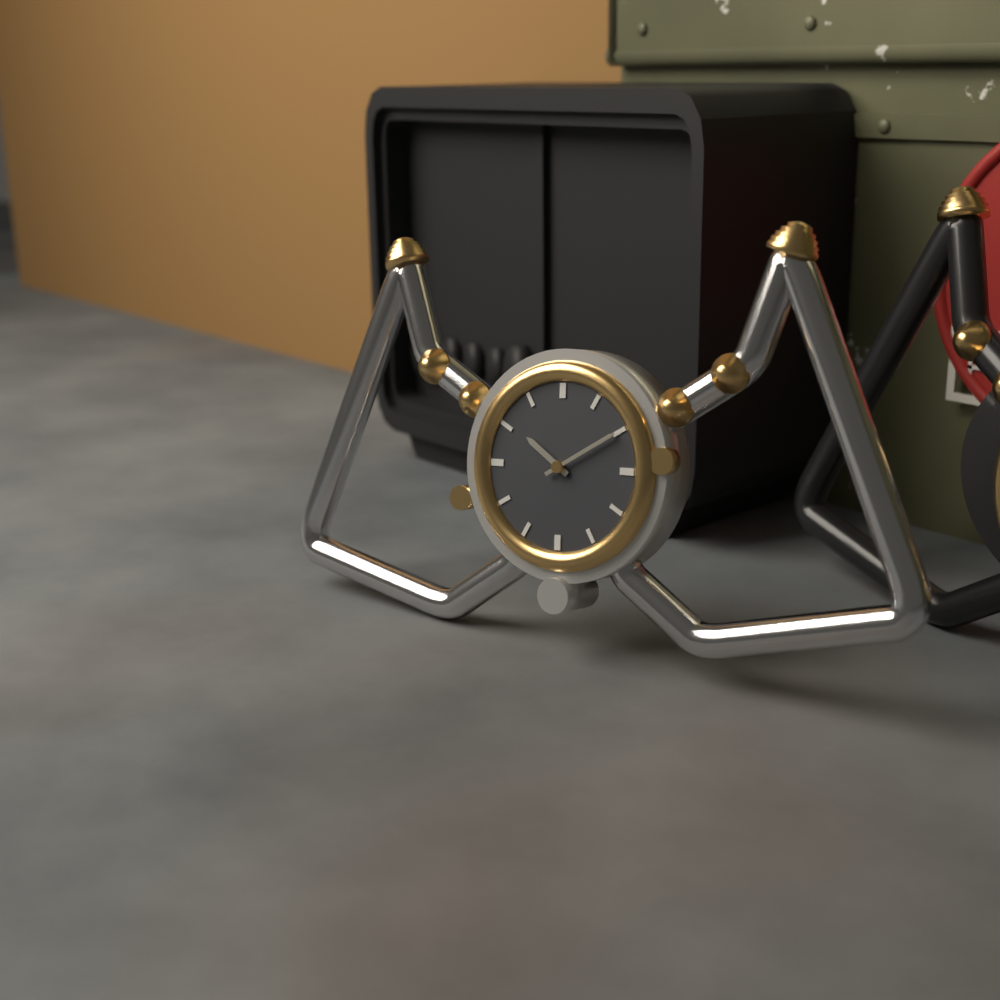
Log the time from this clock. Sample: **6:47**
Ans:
**10:10**
